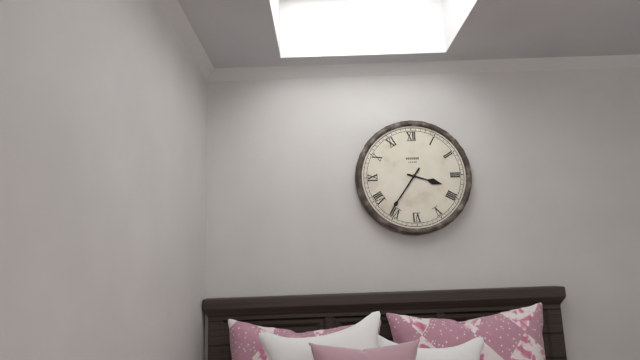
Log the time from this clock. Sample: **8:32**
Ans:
**3:36**
